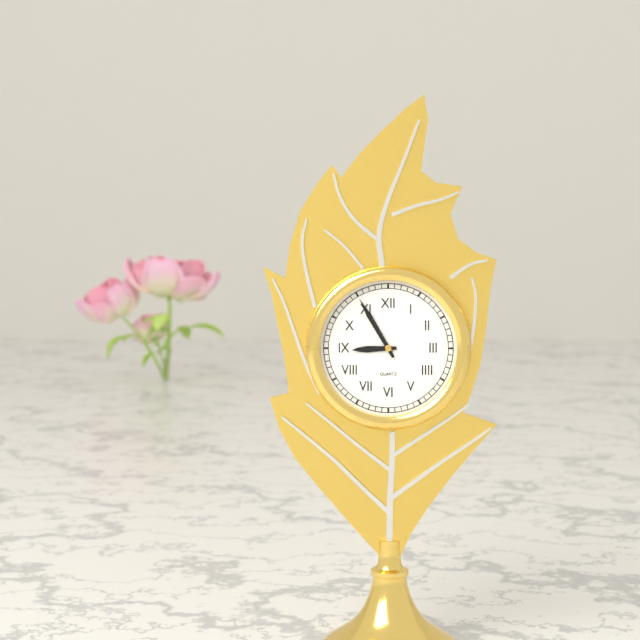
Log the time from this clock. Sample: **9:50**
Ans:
**8:55**
